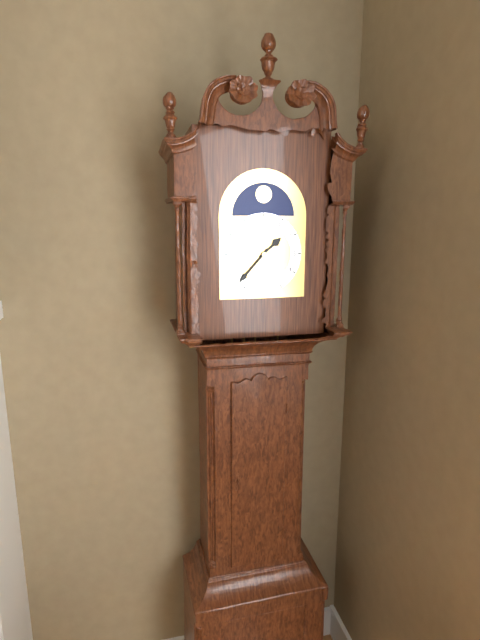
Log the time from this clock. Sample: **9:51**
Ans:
**1:37**
